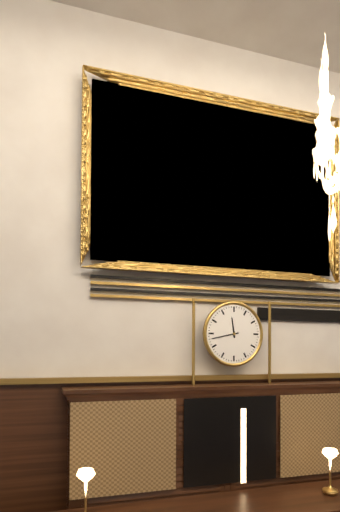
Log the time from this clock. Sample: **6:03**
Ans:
**11:43**
